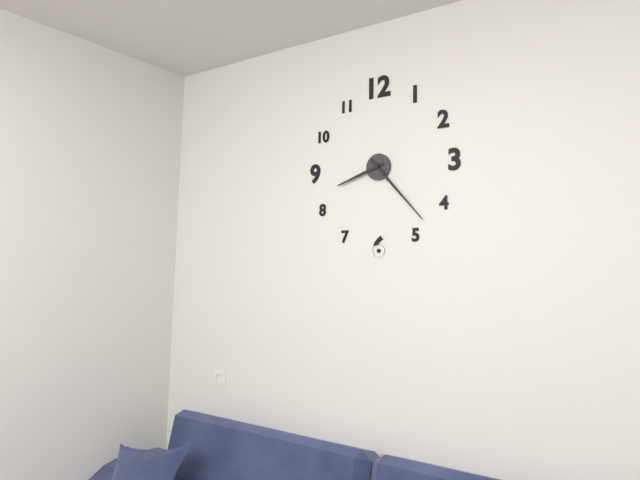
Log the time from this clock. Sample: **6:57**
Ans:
**8:23**
